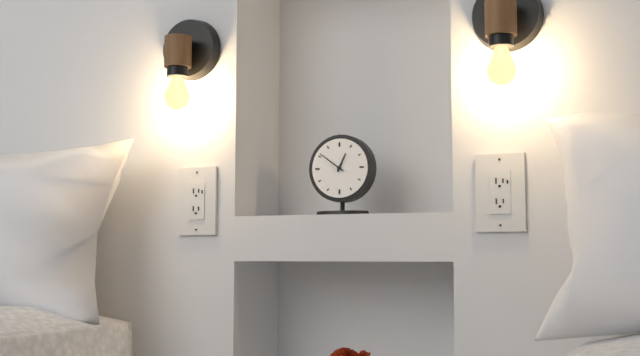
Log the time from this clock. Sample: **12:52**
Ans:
**12:51**
